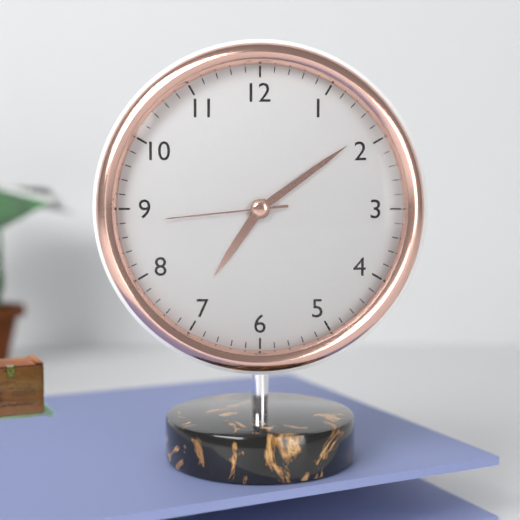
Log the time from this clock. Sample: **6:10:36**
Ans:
**7:09:44**
